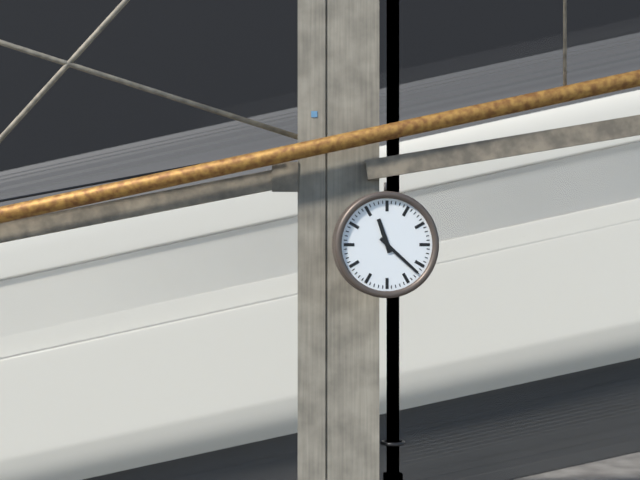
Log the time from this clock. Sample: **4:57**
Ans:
**11:22**
